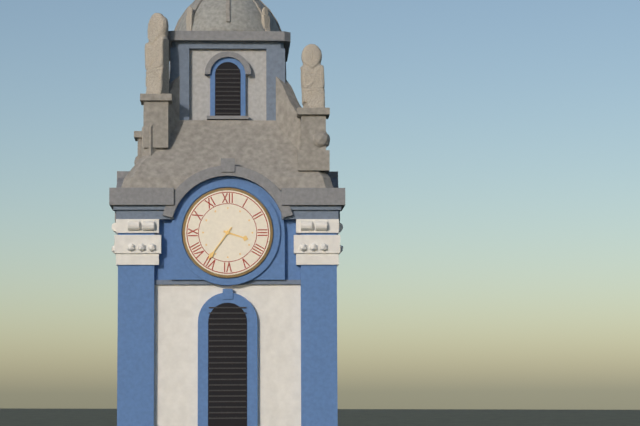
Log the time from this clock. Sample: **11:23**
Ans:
**3:36**
